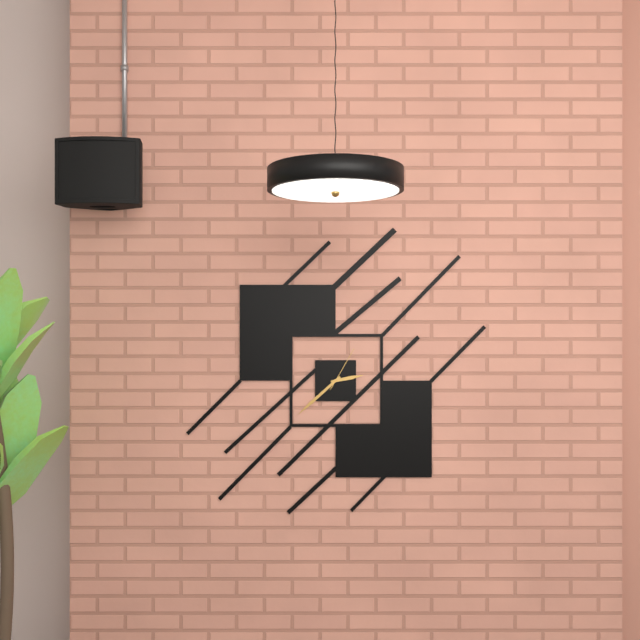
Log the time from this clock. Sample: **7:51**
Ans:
**2:38**
